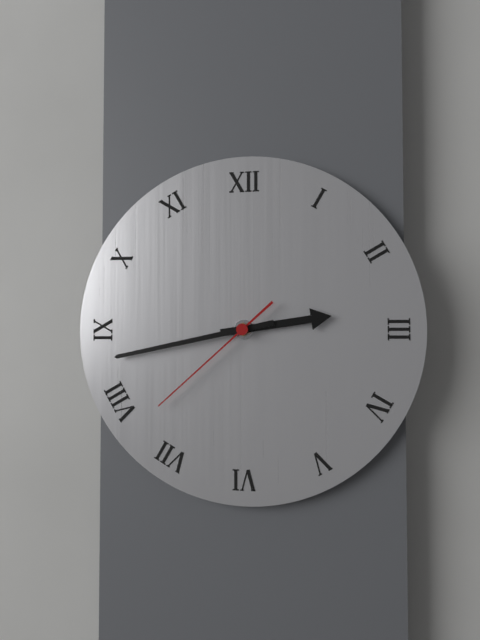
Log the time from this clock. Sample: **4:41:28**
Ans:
**2:43:38**
